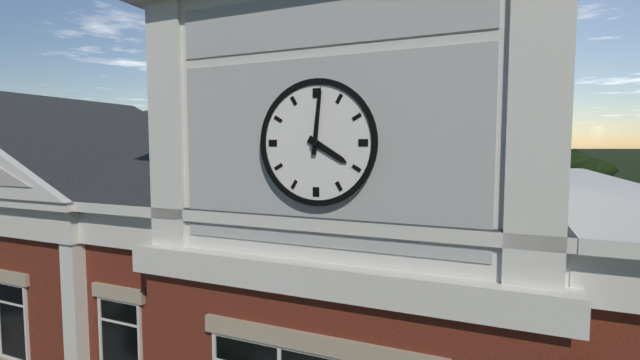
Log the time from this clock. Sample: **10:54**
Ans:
**4:01**
